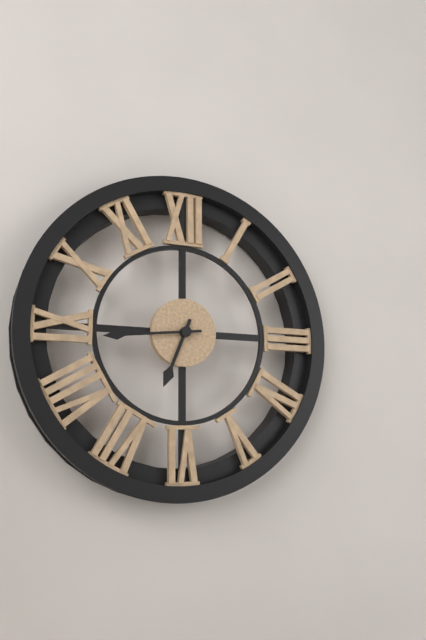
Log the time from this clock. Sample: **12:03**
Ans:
**6:44**
